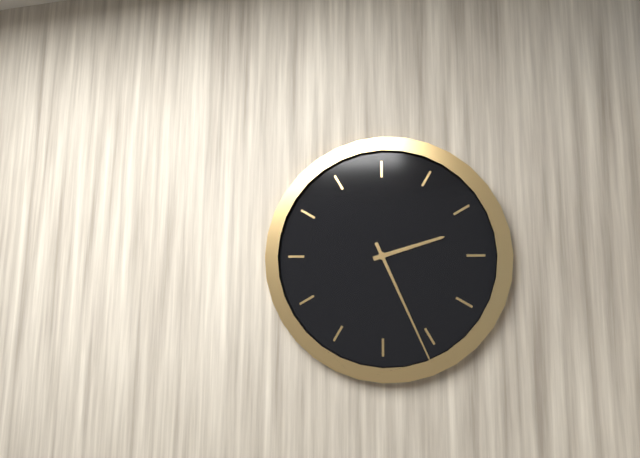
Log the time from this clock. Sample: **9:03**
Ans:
**2:26**
